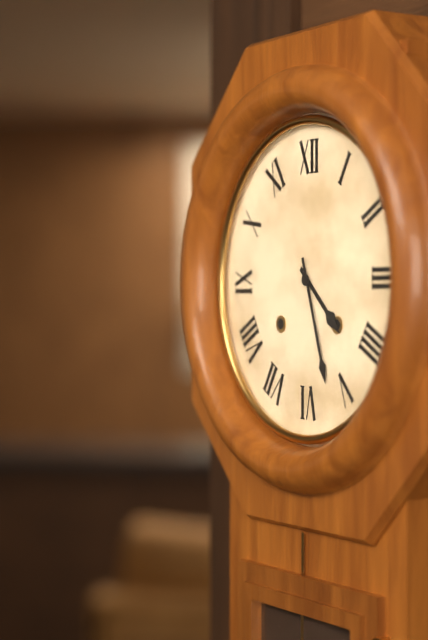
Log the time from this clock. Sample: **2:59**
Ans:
**4:27**
